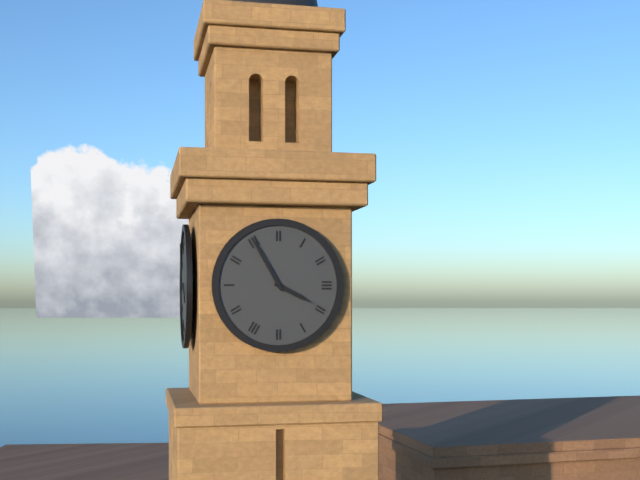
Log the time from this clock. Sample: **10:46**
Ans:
**3:55**
